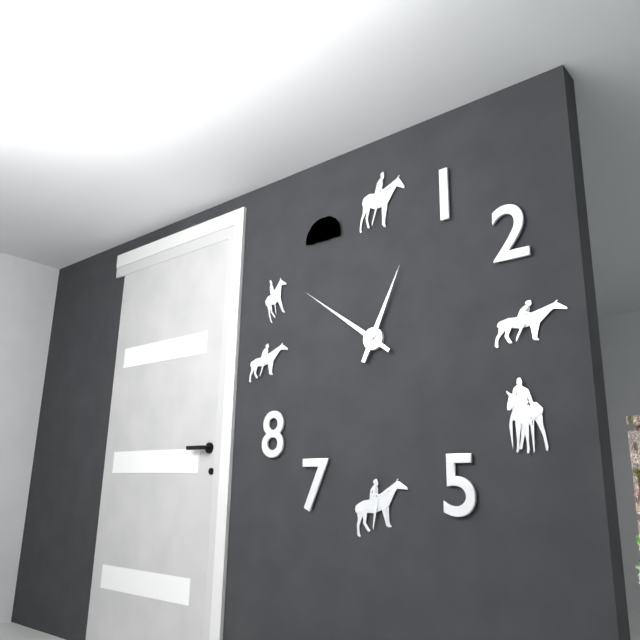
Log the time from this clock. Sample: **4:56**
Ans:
**12:51**
